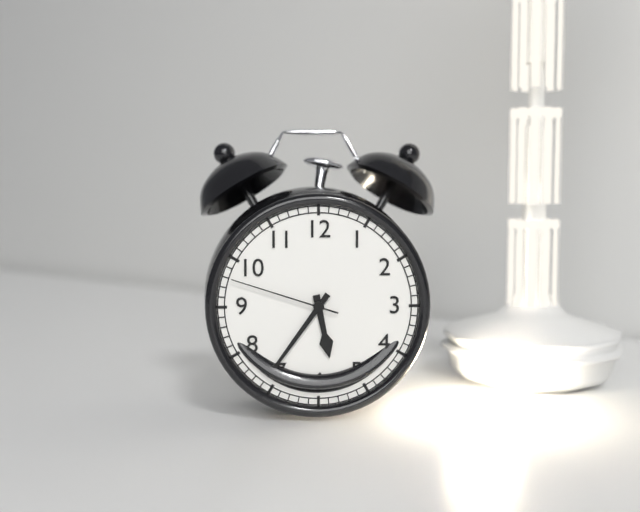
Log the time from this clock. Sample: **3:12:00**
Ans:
**5:36:48**
